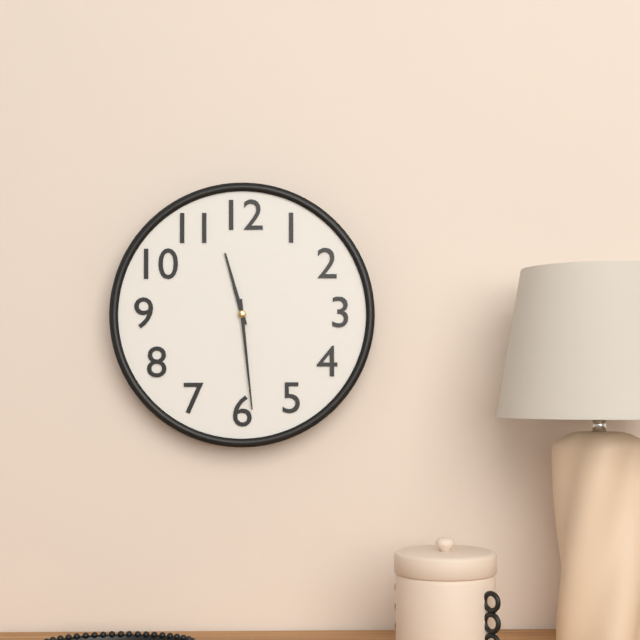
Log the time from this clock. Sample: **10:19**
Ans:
**11:29**
